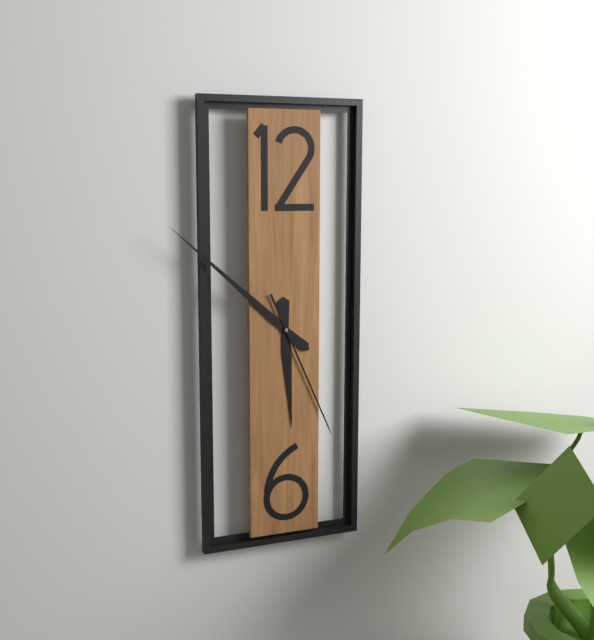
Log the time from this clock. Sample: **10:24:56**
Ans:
**5:52:26**
